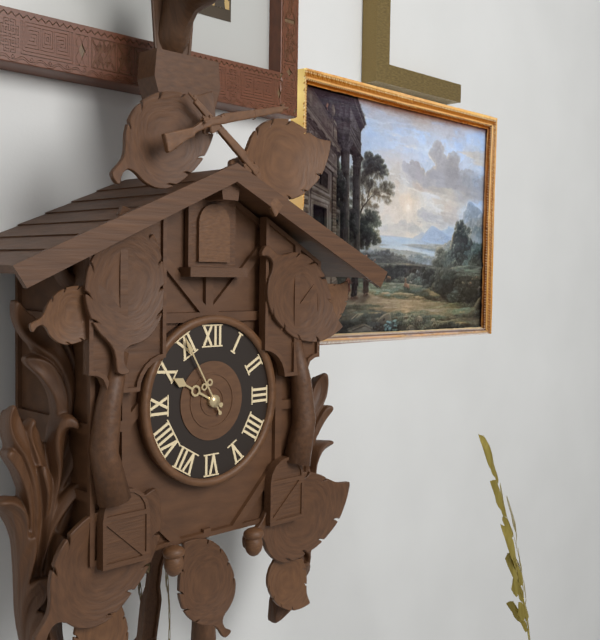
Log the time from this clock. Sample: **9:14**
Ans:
**9:55**
